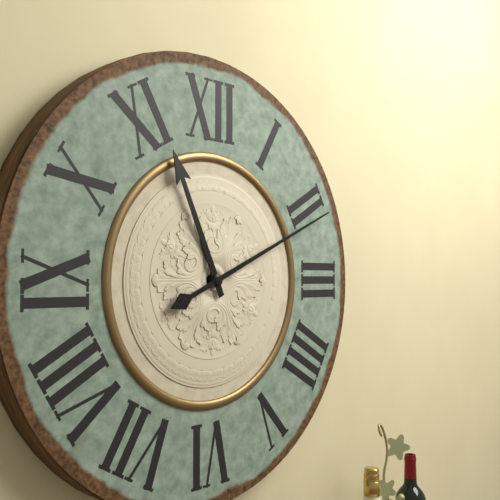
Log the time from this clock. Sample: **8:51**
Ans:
**11:11**
